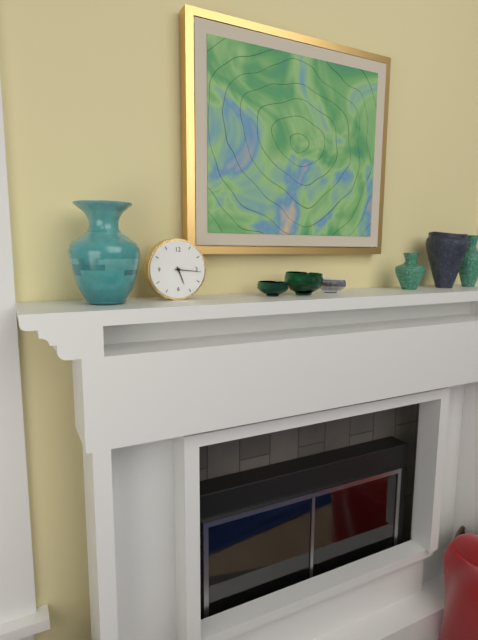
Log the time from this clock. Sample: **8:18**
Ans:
**5:16**
